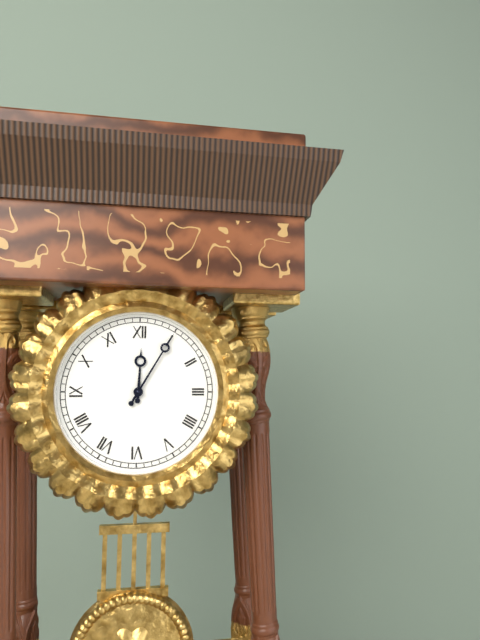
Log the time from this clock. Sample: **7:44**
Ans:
**12:05**
